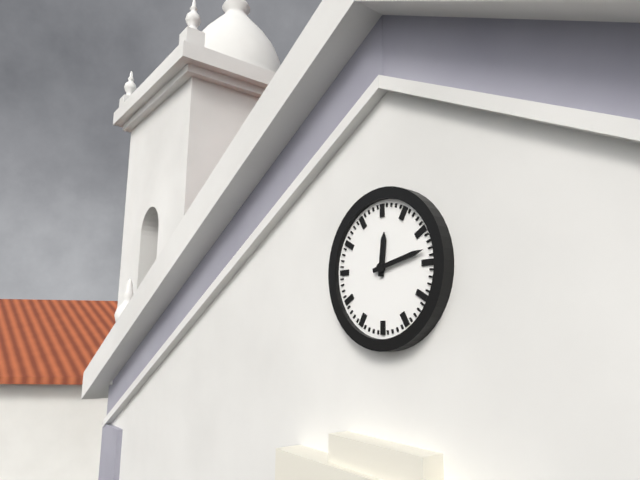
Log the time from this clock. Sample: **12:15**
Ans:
**12:13**
